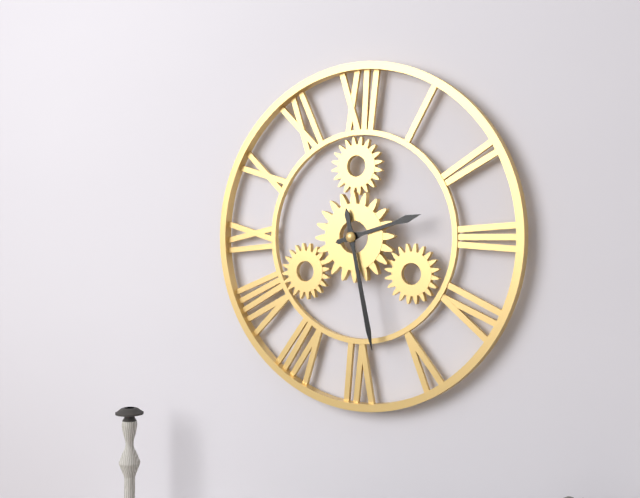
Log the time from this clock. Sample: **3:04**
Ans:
**2:28**
